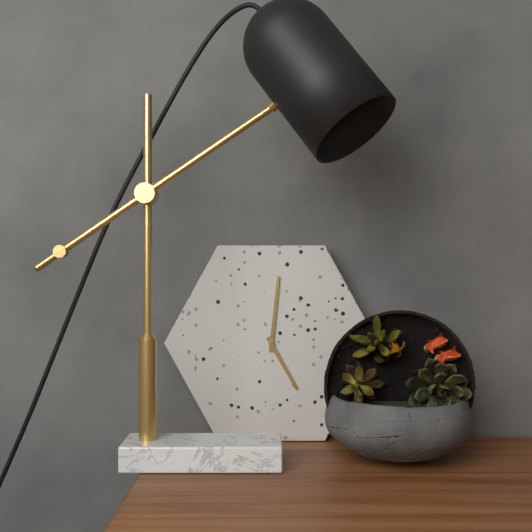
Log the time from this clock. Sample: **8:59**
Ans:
**5:01**
